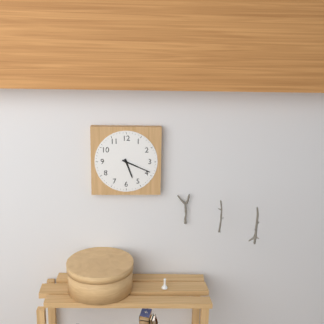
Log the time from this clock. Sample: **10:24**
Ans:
**5:19**
